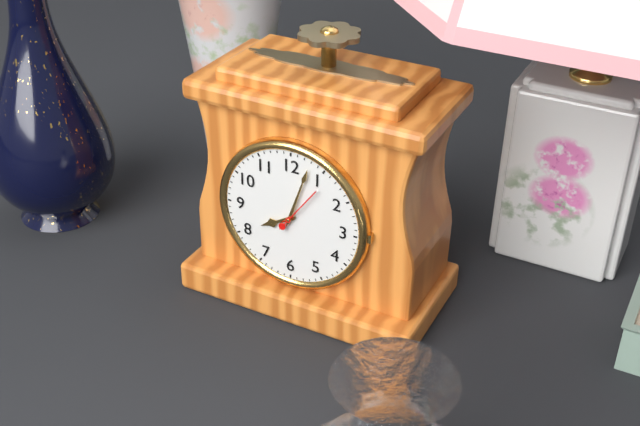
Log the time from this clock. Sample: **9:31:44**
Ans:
**8:03:06**
